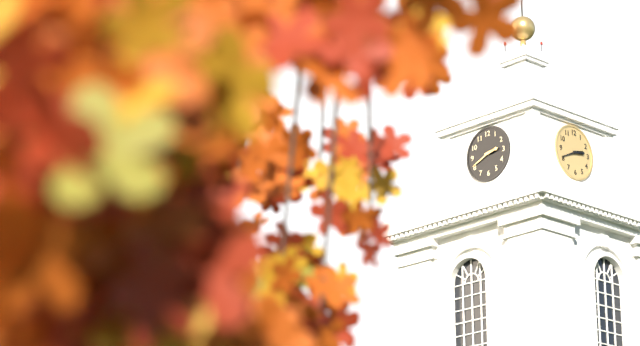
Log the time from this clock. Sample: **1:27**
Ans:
**2:41**
